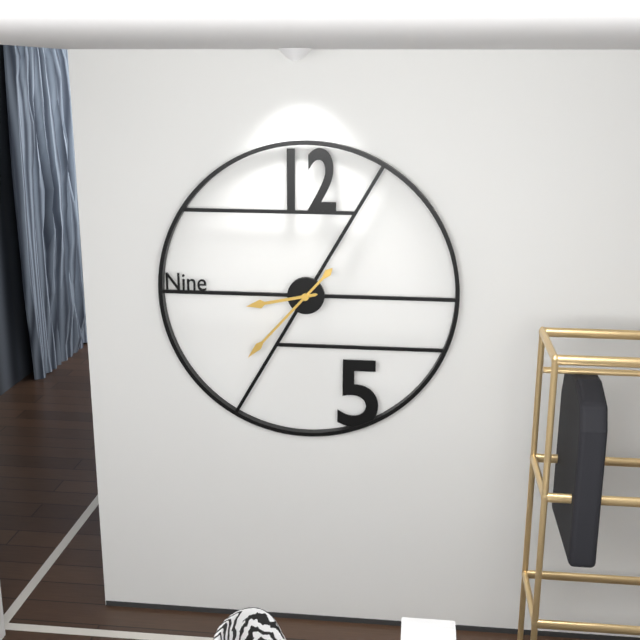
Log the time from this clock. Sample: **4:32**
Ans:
**8:37**
